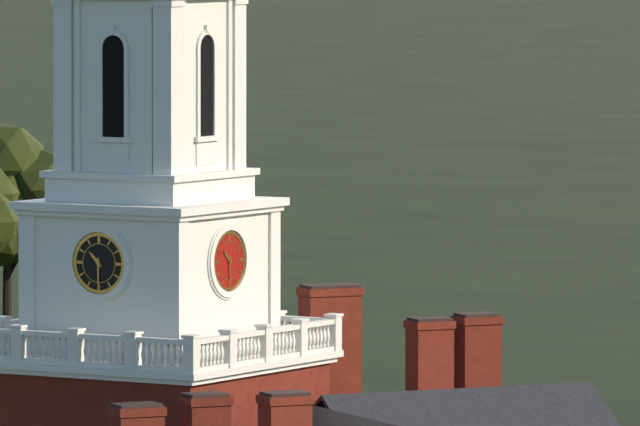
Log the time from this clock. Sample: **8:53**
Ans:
**10:30**
